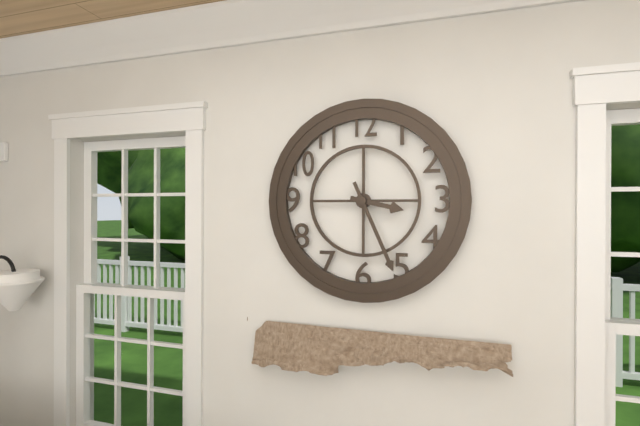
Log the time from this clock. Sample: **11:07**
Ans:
**3:26**
